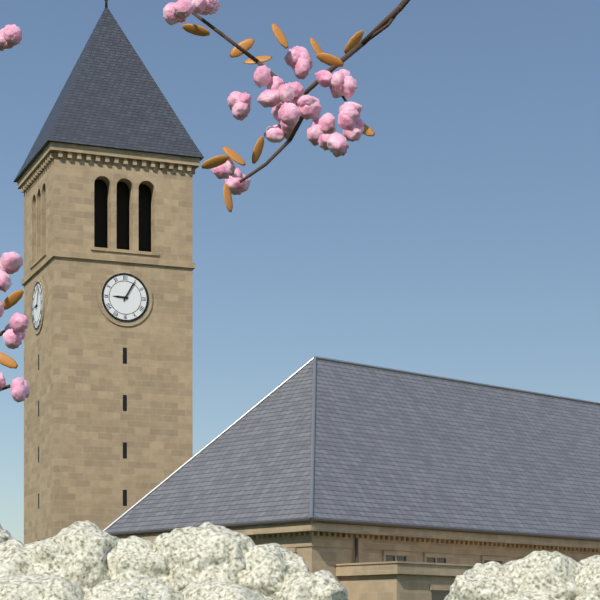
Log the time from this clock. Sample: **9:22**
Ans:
**9:05**
